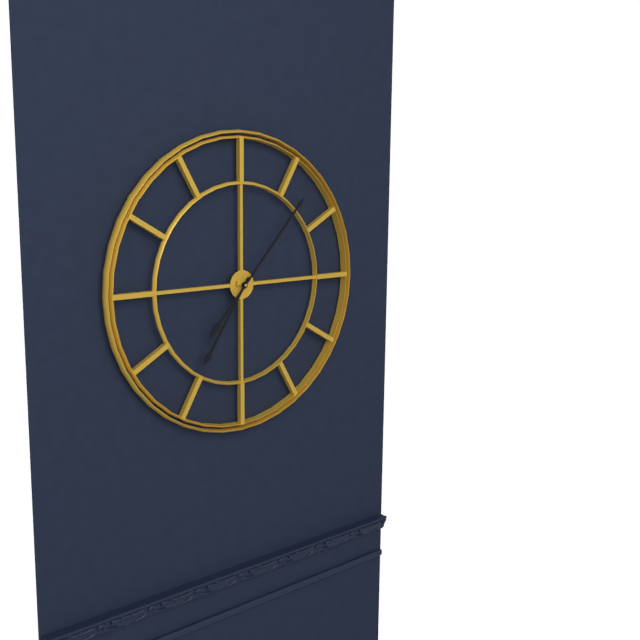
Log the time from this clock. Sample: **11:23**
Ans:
**7:07**
